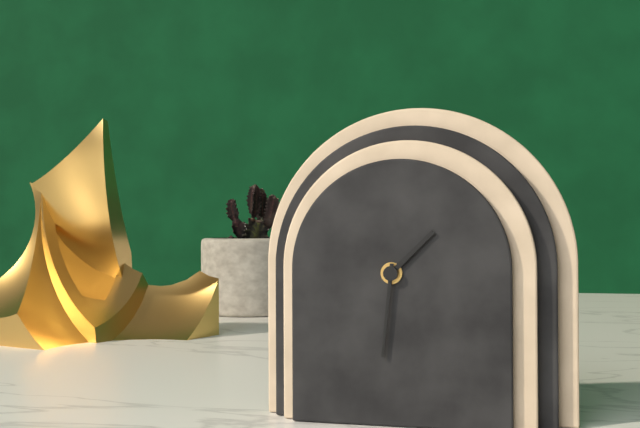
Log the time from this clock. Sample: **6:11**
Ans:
**1:31**
